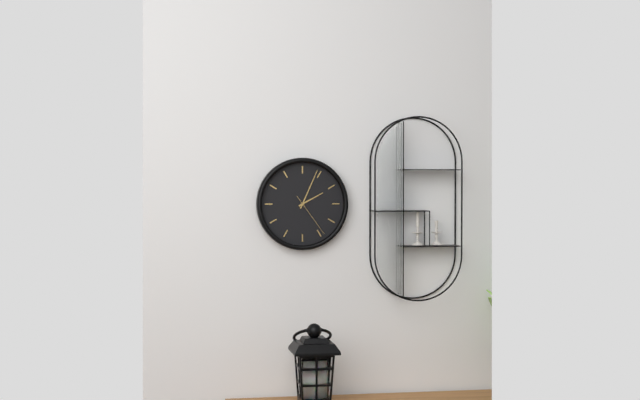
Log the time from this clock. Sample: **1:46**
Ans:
**2:04**
